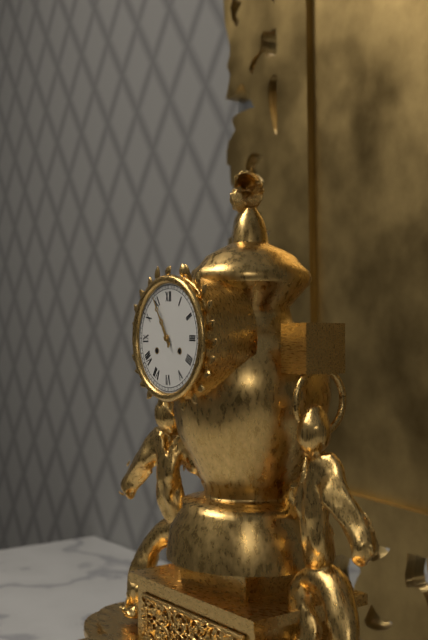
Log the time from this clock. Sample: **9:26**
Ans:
**10:55**
